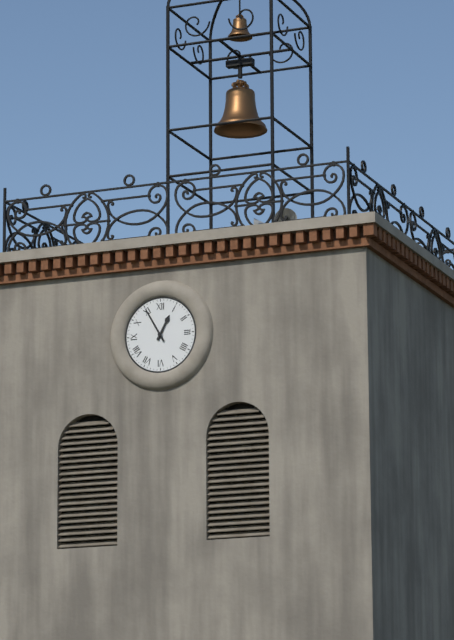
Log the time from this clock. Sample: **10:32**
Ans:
**12:55**
